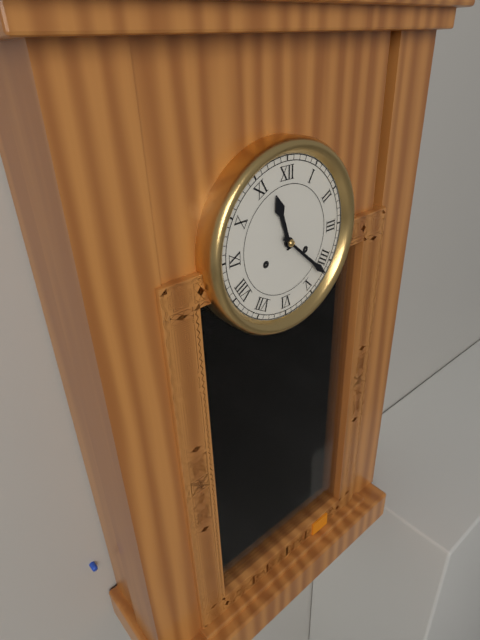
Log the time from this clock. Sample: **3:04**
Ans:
**11:22**
